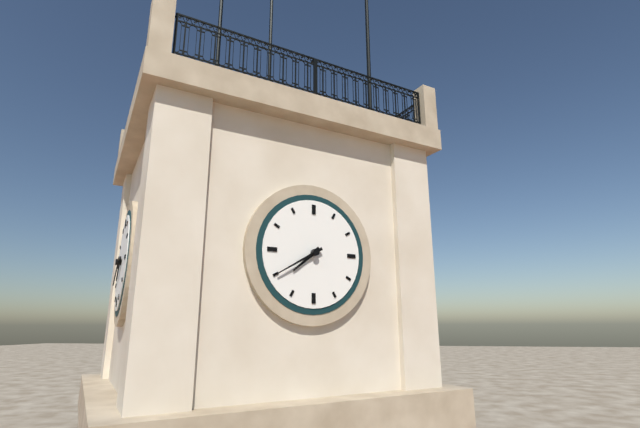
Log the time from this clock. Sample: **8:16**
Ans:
**7:40**
